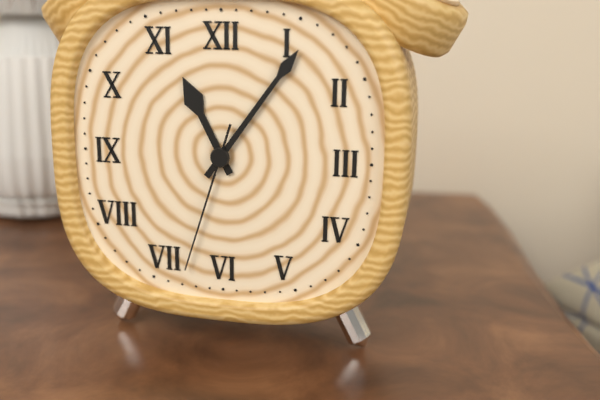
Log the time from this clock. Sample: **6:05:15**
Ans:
**11:06:33**
